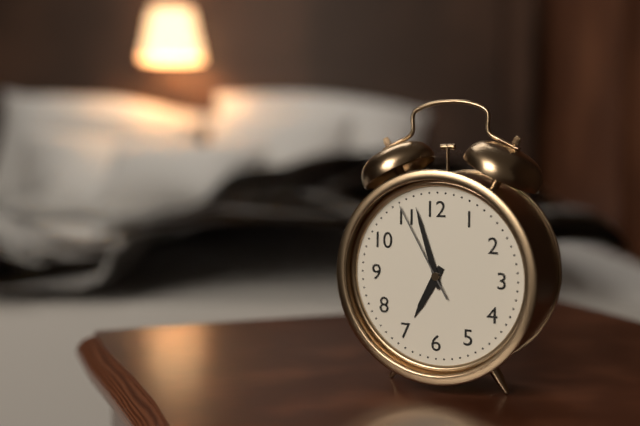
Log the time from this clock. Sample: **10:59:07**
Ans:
**6:57:55**
